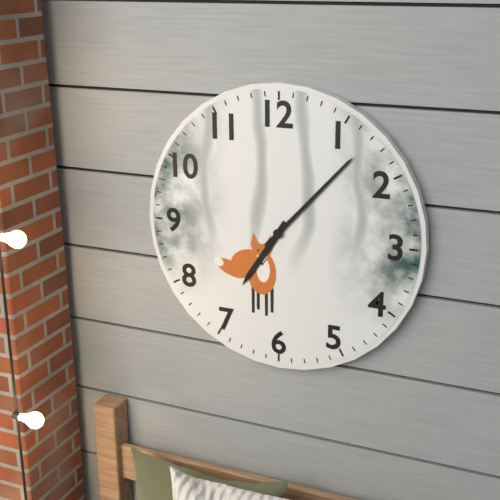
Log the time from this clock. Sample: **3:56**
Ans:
**7:07**
